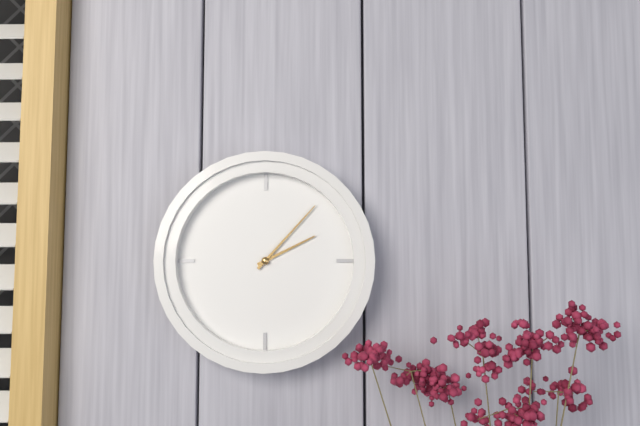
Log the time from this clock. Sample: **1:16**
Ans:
**2:07**
